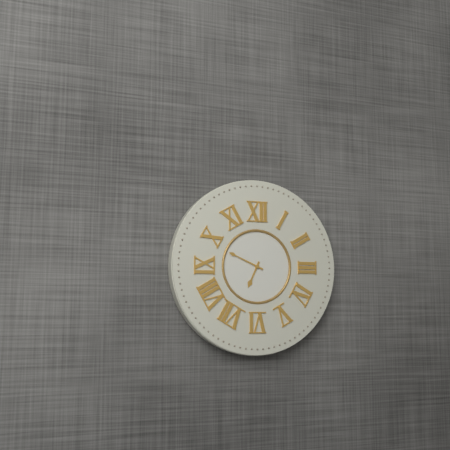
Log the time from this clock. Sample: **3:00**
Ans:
**6:49**
